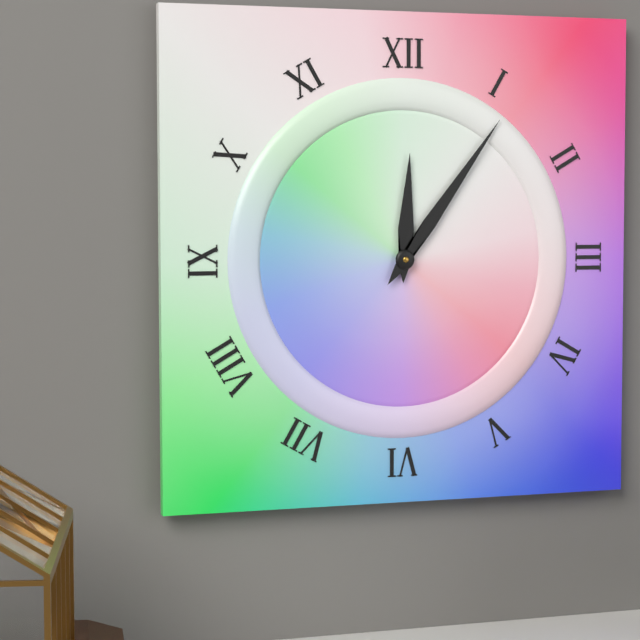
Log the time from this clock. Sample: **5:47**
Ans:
**12:06**
